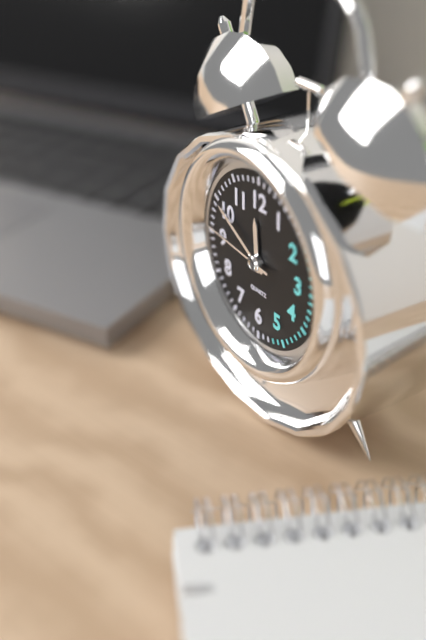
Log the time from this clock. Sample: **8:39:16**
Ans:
**11:50:46**
